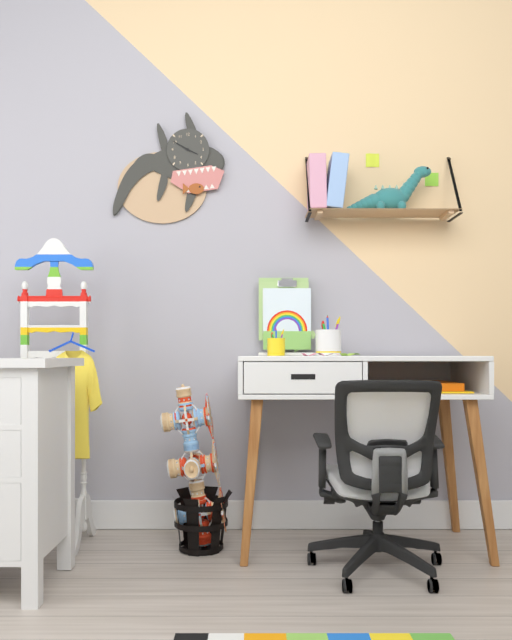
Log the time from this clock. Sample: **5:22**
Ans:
**3:50**
